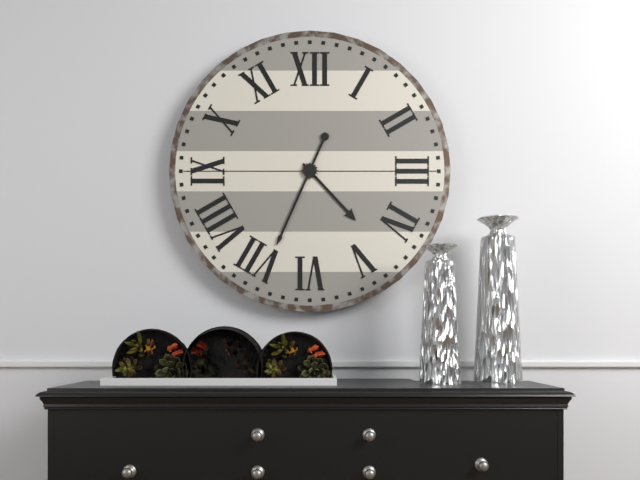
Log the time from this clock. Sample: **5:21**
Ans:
**4:34**
